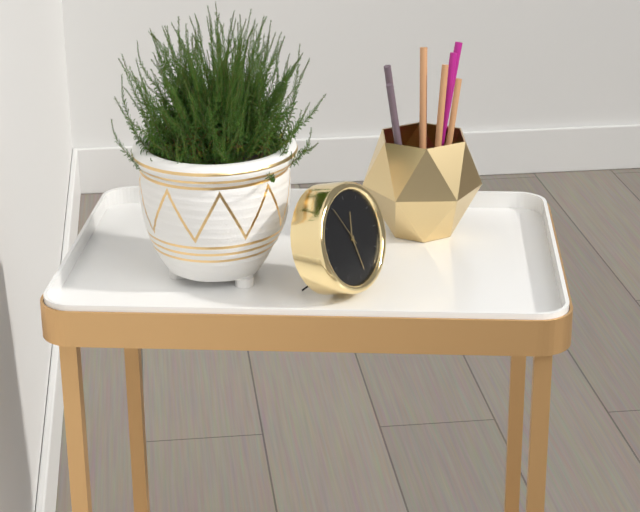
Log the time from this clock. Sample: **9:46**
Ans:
**12:28**
